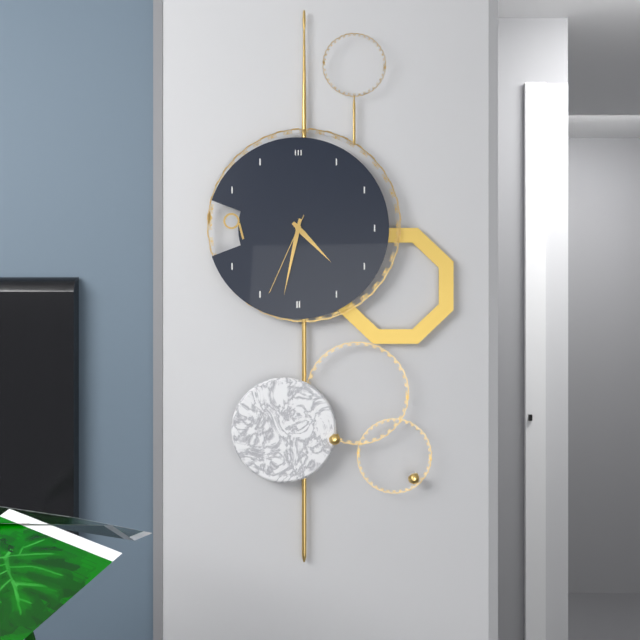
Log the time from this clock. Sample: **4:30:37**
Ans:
**4:32:34**
